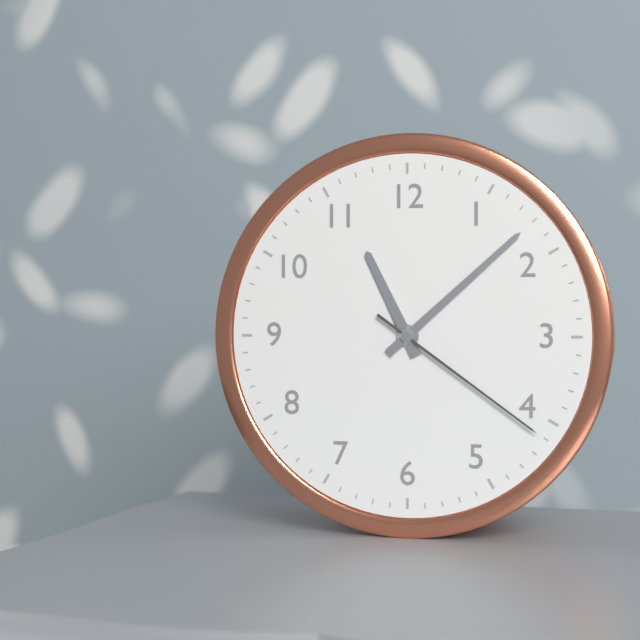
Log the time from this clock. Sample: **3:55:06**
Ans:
**11:08:21**
